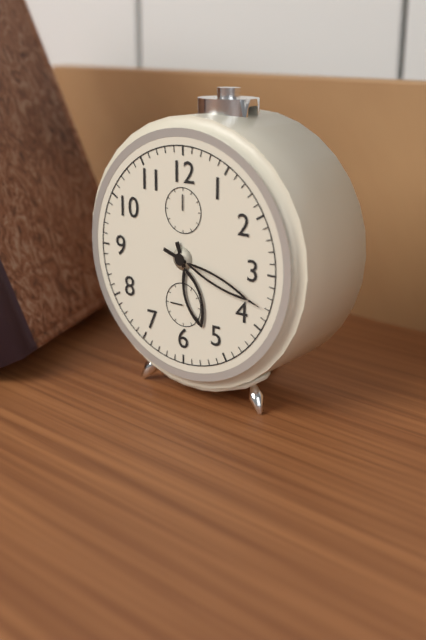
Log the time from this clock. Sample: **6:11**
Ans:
**5:18**
